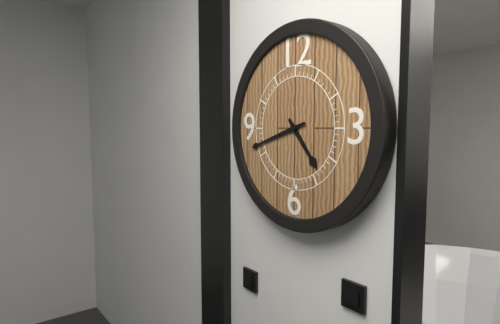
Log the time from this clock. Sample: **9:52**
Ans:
**4:42**
